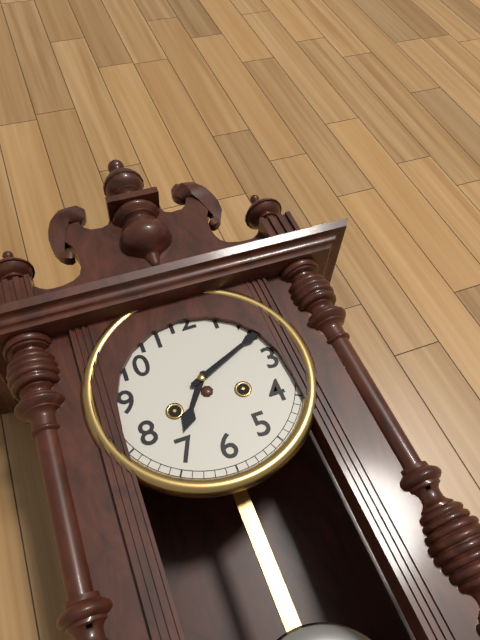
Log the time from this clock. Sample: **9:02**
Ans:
**7:11**
